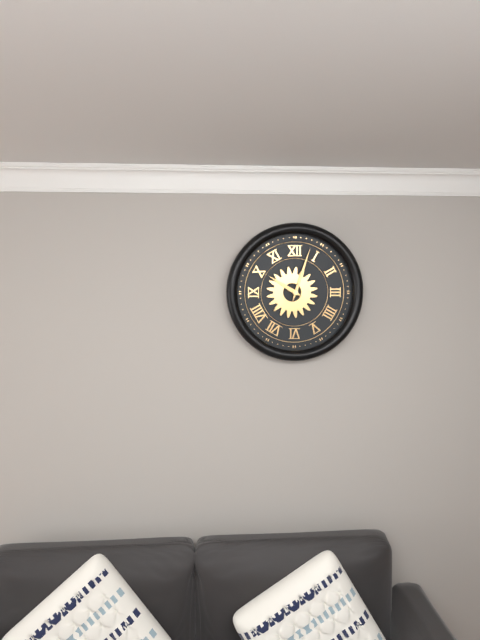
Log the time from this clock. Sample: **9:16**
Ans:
**10:03**
